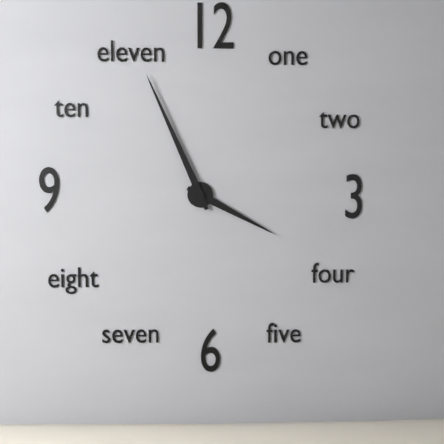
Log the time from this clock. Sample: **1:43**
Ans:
**3:56**
